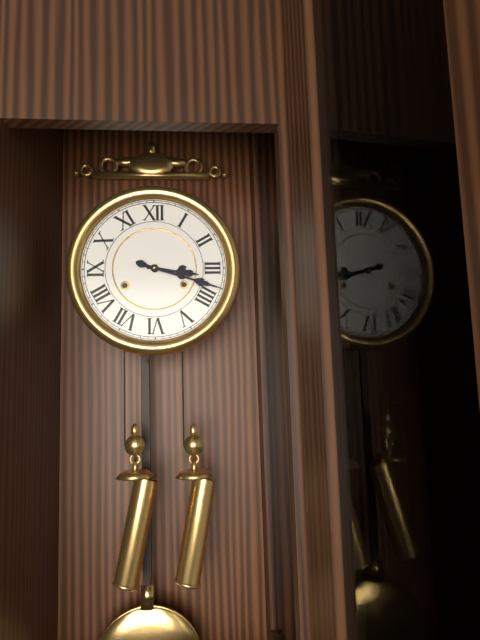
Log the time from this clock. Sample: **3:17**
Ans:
**3:18**
